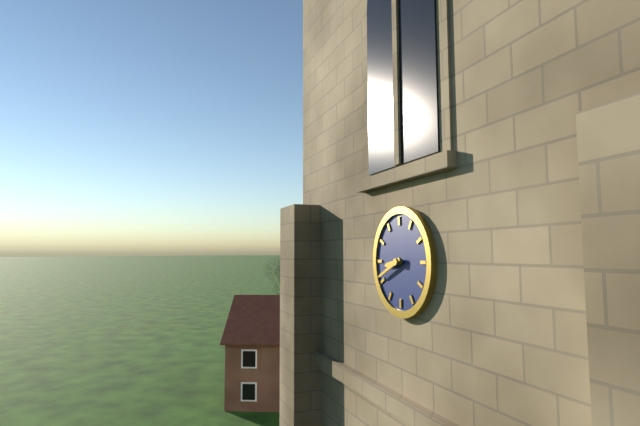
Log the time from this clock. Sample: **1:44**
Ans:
**8:41**
